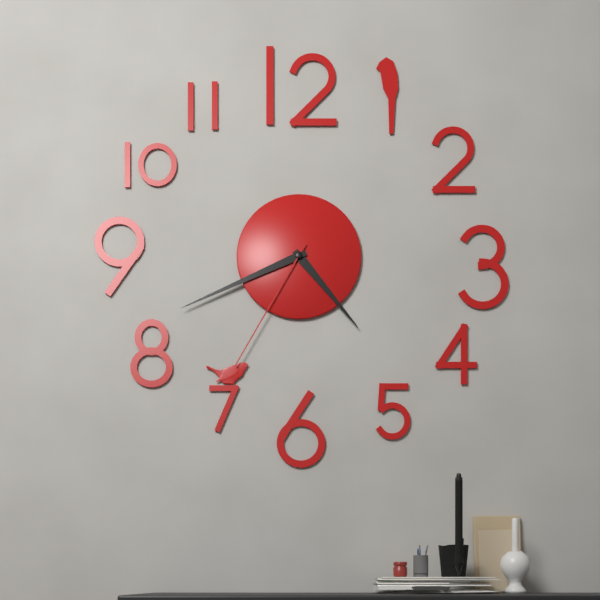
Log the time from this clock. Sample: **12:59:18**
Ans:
**4:41:35**
